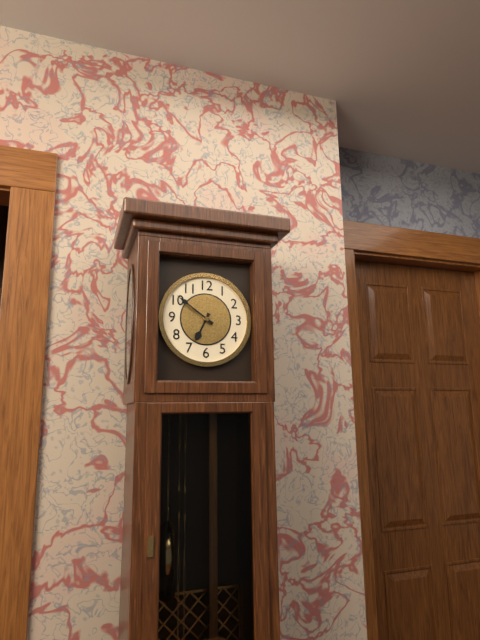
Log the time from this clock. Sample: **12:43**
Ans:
**6:51**
